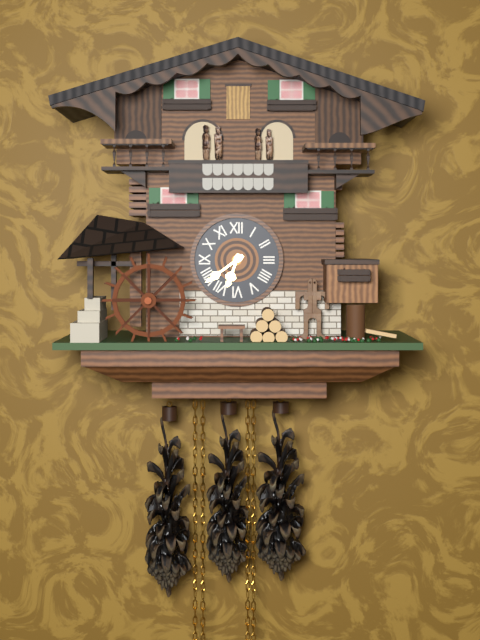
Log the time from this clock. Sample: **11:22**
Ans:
**6:39**
